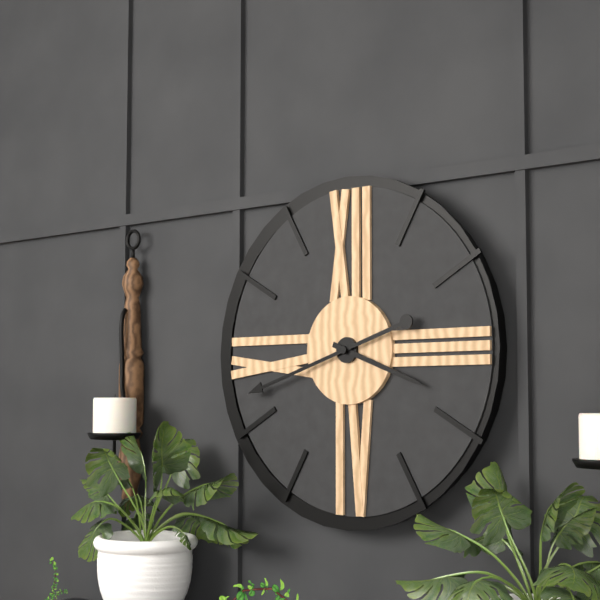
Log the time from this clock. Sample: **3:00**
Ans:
**3:42**
